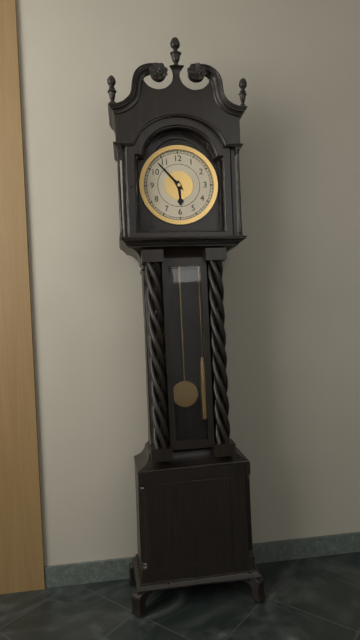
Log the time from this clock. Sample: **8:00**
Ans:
**5:53**
